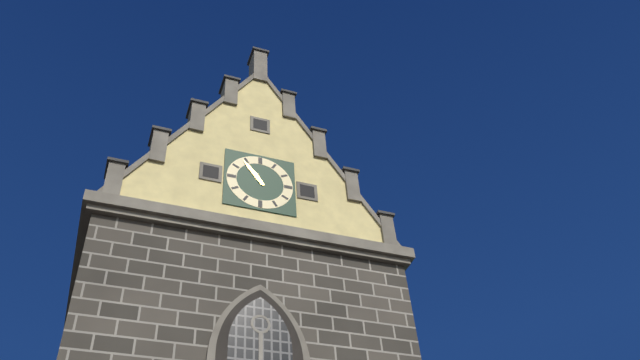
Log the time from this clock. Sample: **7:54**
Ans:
**10:54**
